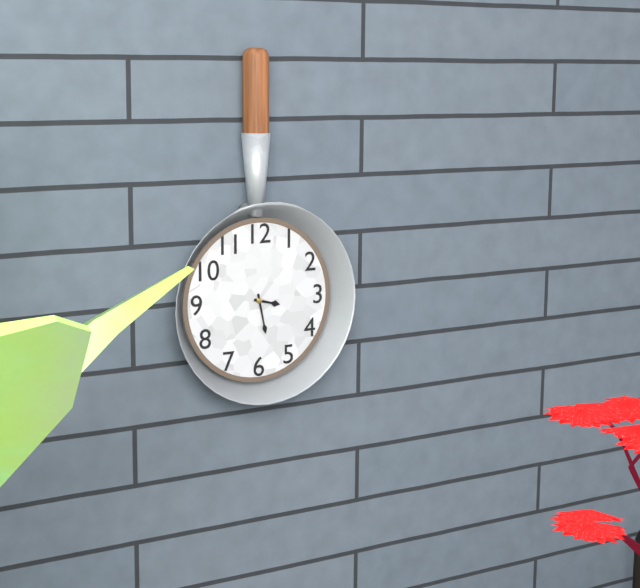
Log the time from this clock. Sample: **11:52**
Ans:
**3:28**
